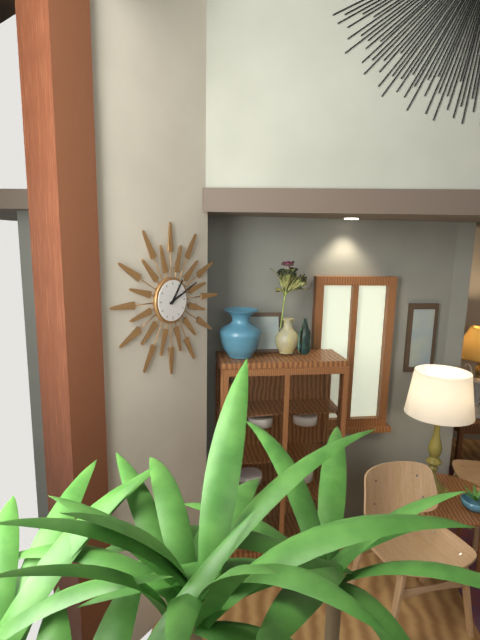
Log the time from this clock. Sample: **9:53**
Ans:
**1:11**
